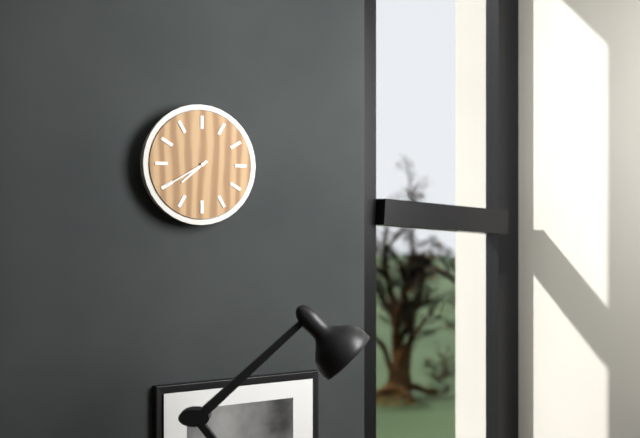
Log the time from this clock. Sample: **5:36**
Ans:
**7:40**
